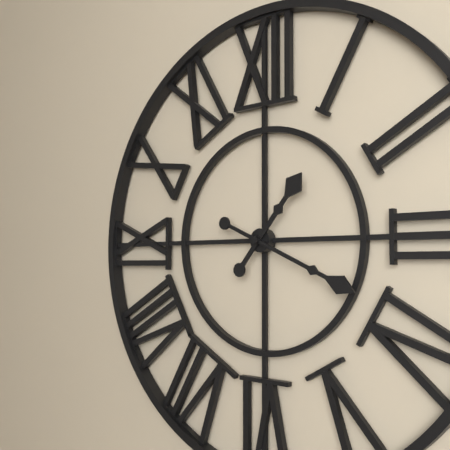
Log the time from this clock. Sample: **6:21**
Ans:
**1:19**
